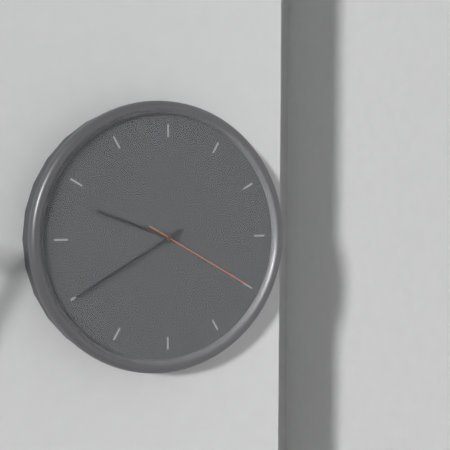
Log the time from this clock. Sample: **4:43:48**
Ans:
**9:40:20**
